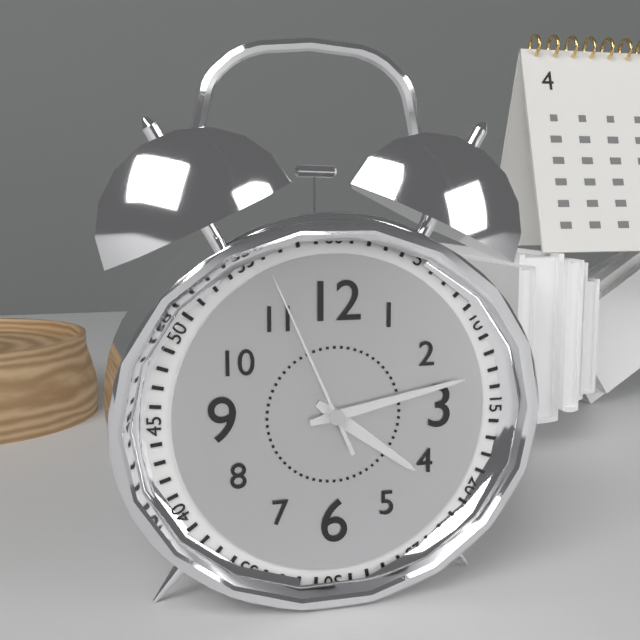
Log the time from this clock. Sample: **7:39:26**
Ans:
**4:13:56**
